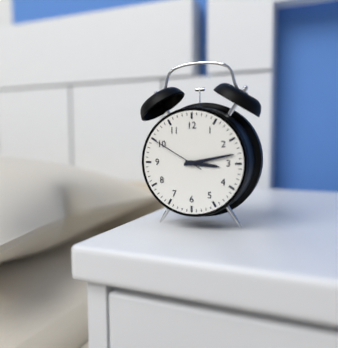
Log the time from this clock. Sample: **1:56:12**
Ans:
**3:13:50**
